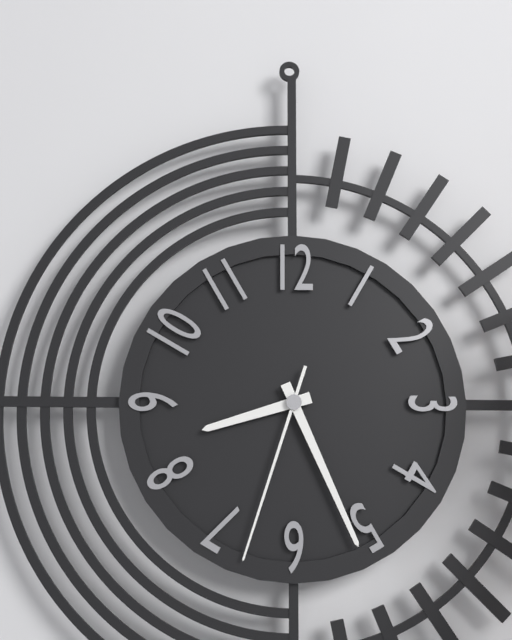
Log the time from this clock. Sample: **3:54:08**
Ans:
**8:26:33**
